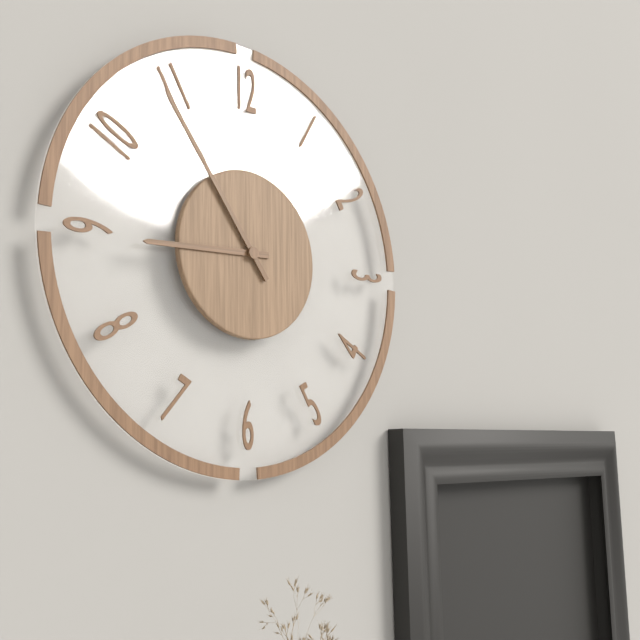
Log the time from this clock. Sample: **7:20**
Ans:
**8:54**
